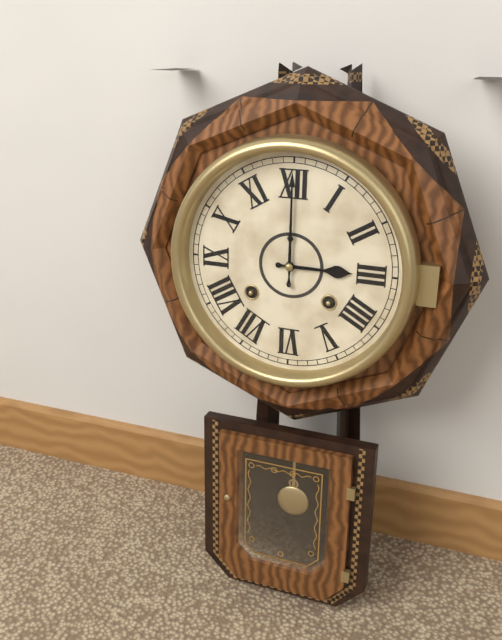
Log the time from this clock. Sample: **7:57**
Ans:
**3:00**
